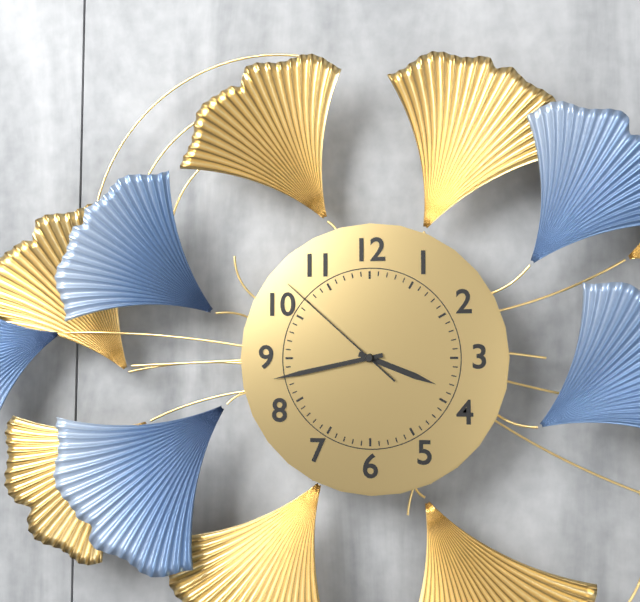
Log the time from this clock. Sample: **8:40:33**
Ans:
**3:43:52**
